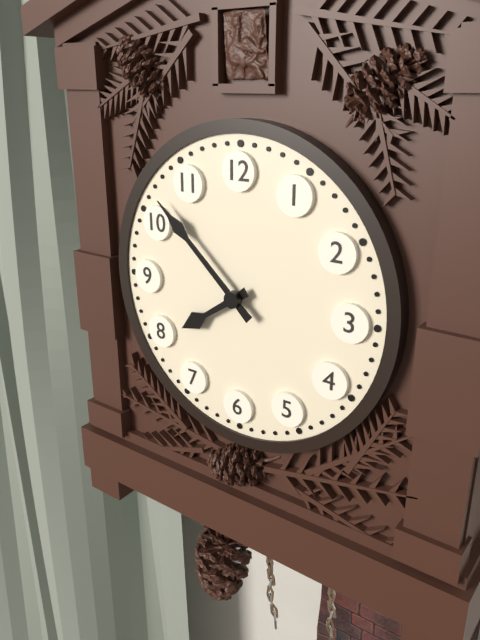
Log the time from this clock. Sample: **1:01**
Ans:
**7:52**
